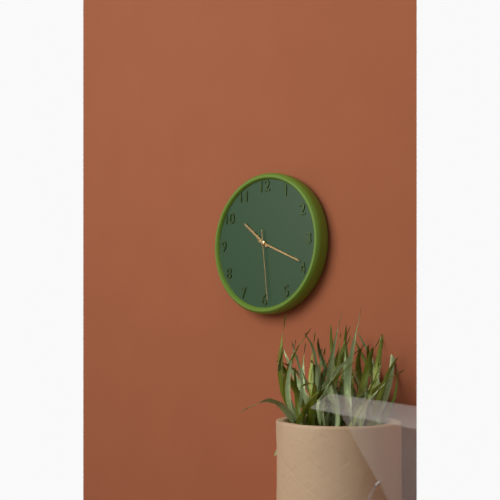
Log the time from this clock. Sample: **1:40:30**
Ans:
**10:19:29**
